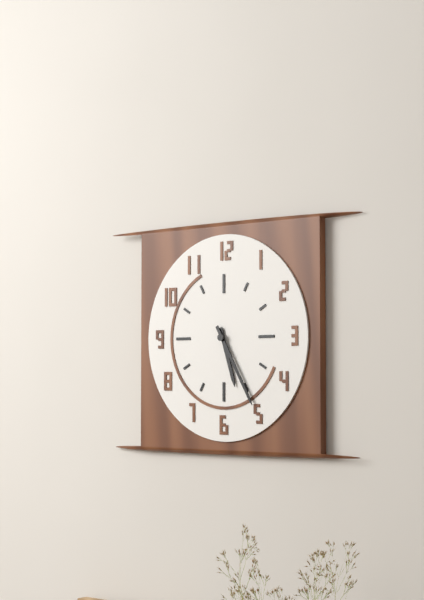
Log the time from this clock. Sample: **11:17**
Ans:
**5:25**
